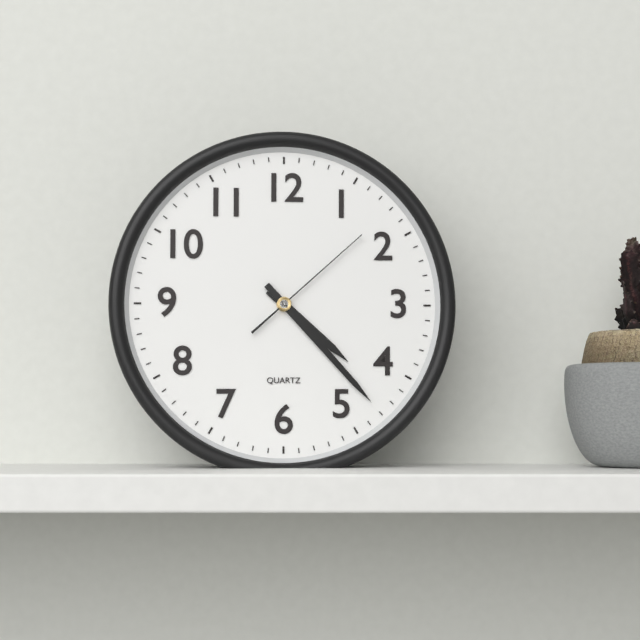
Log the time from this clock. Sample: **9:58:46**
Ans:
**4:23:08**
